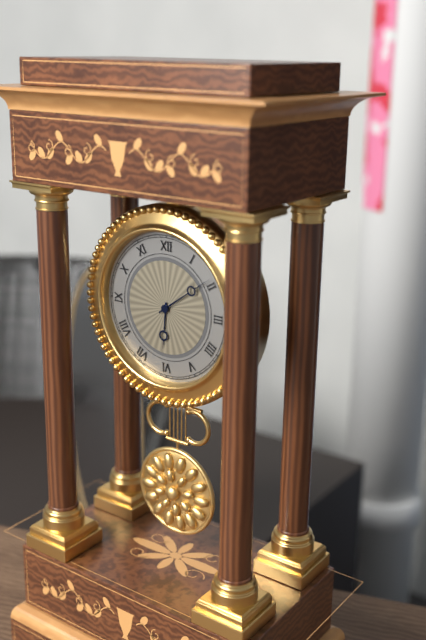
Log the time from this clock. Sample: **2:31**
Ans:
**6:09**
